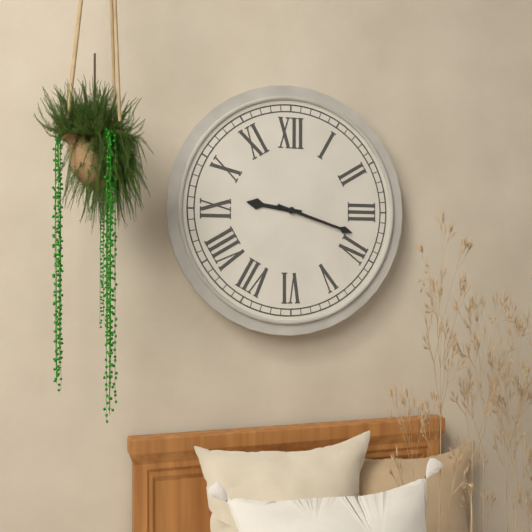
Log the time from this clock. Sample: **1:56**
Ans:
**9:18**
